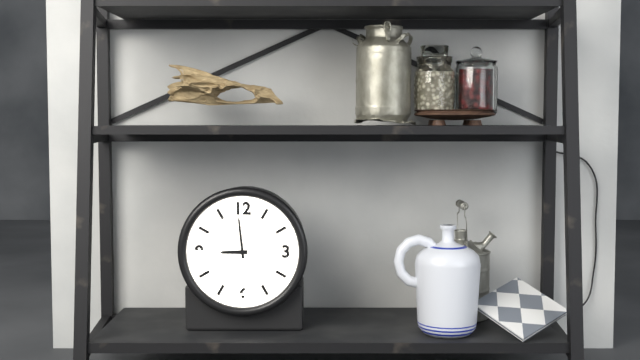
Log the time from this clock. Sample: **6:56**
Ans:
**8:59**
